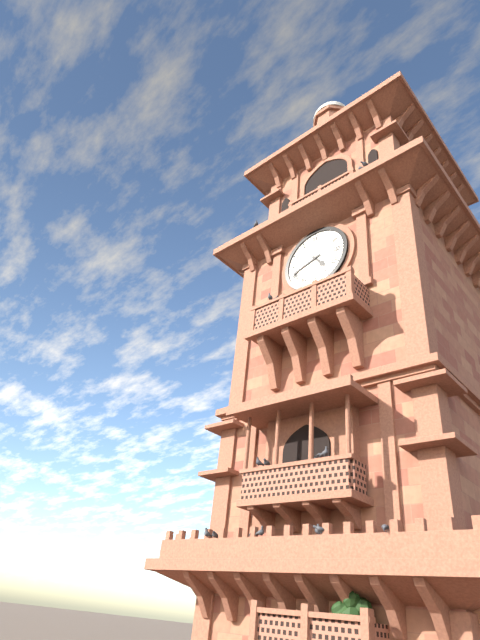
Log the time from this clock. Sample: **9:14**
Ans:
**4:42**
